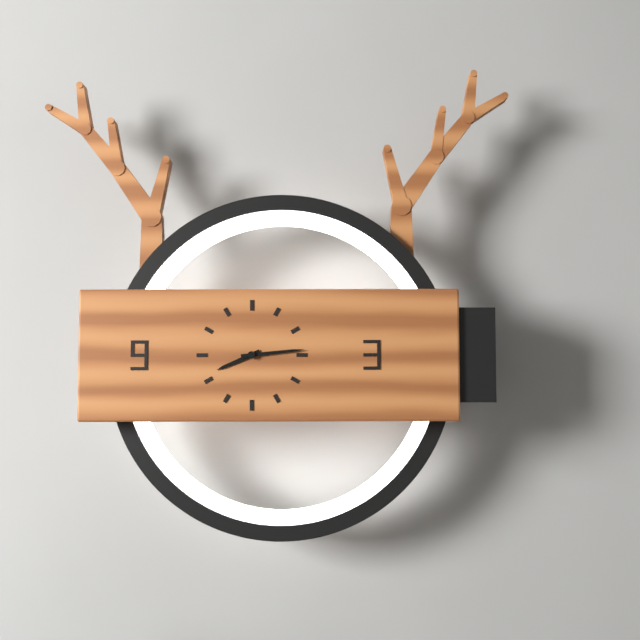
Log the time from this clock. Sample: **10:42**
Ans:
**8:14**
